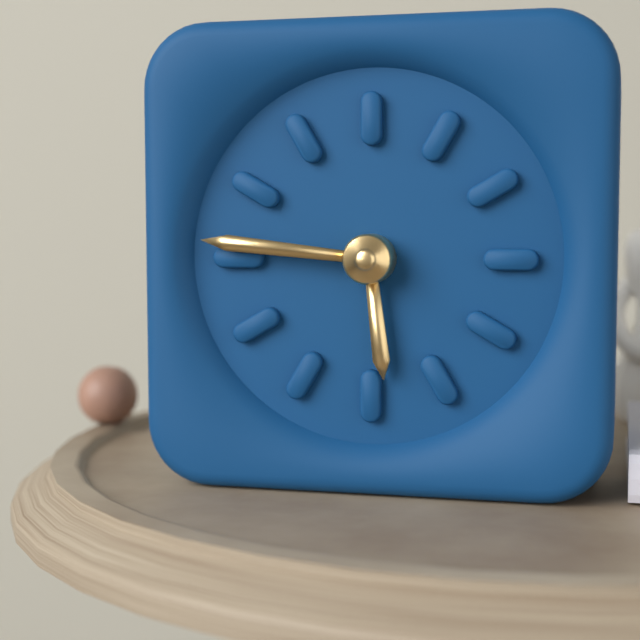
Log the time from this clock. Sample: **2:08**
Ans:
**5:46**
